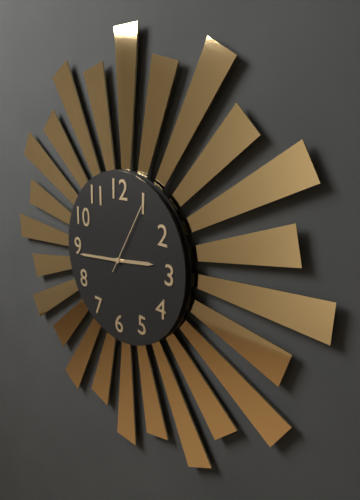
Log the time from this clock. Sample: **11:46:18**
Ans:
**2:44:05**
